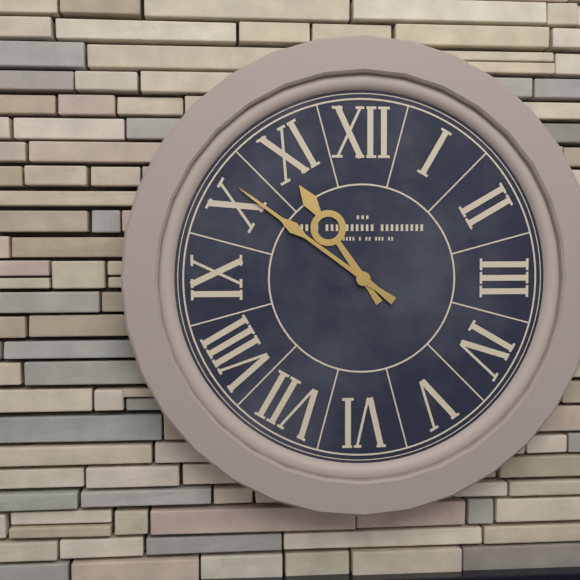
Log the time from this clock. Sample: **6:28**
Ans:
**10:51**
